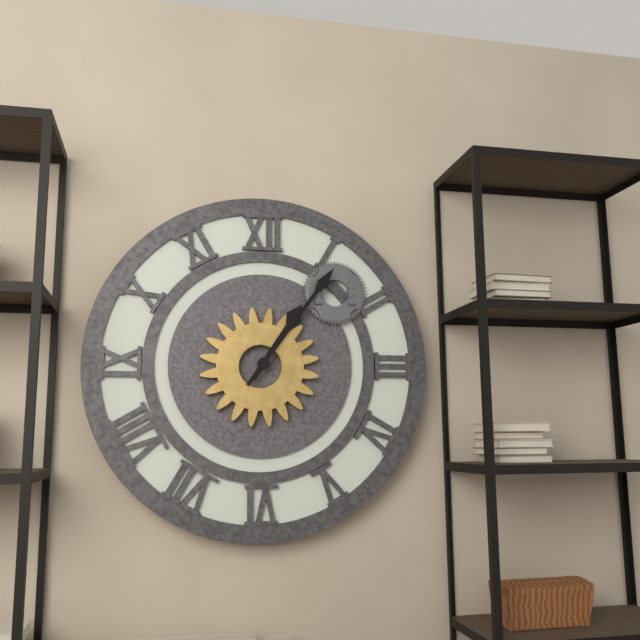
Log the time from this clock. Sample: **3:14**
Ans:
**1:06**
